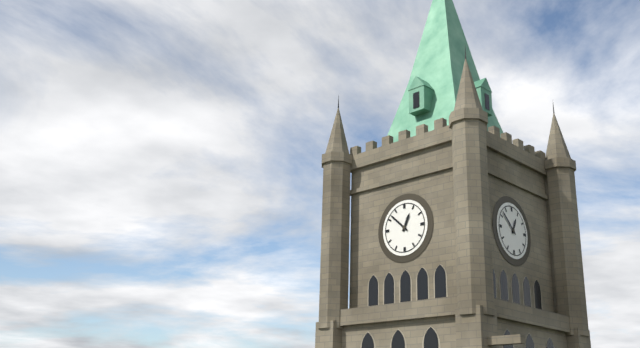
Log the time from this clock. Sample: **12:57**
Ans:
**12:52**
